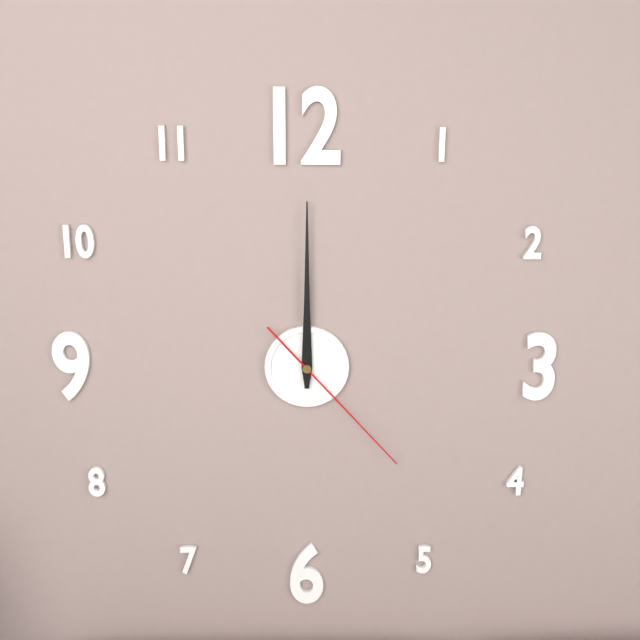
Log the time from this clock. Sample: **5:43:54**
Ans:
**12:00:23**
